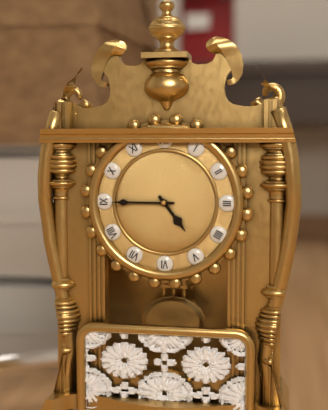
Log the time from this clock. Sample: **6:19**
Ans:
**4:45**
